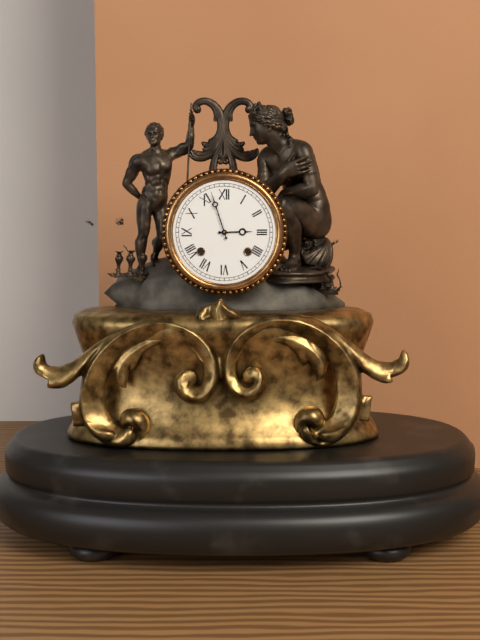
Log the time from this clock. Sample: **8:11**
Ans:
**2:57**
